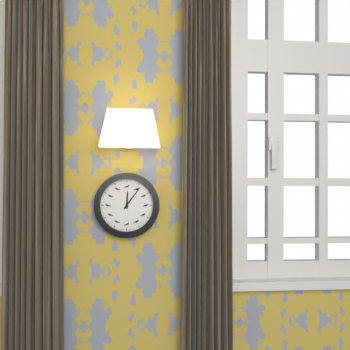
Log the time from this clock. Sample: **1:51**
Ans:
**12:06**
